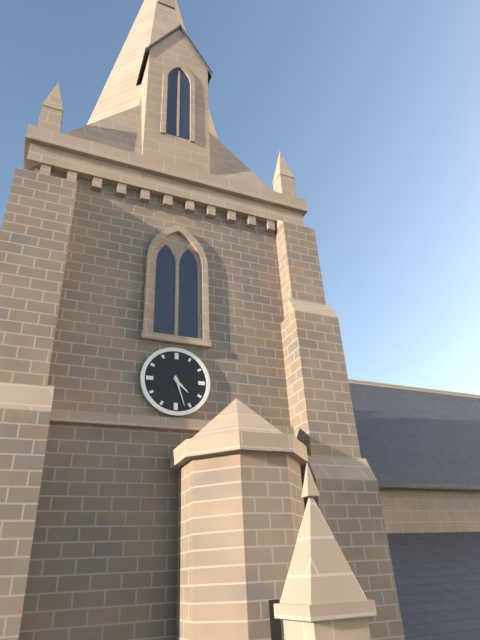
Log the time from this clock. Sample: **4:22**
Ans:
**4:27**
